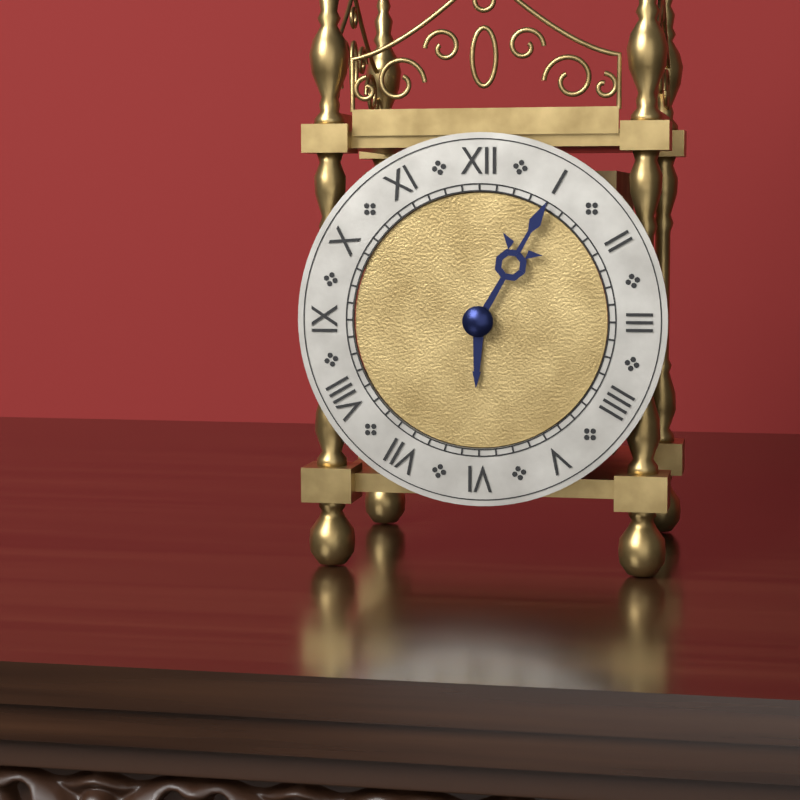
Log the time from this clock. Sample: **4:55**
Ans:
**6:05**
